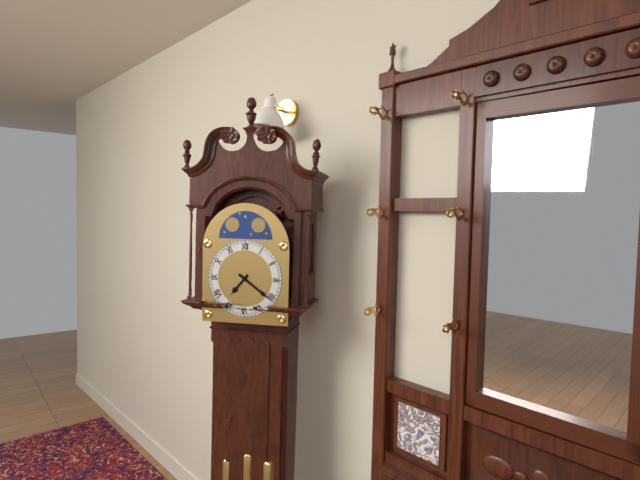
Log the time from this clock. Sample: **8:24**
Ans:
**7:21**
